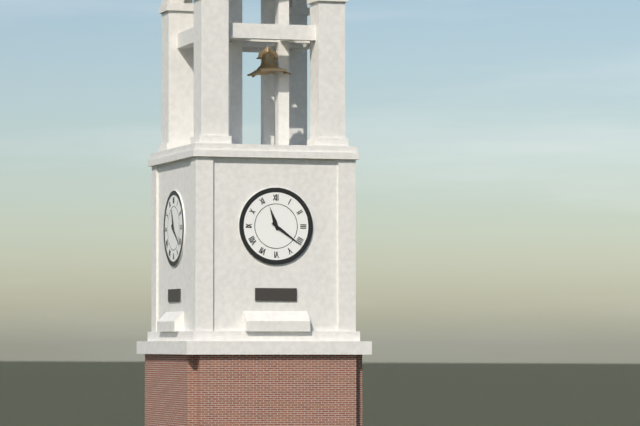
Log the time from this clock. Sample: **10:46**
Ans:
**11:21**
